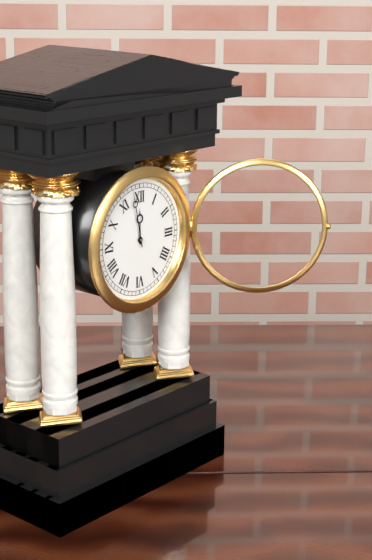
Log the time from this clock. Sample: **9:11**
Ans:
**11:58**
